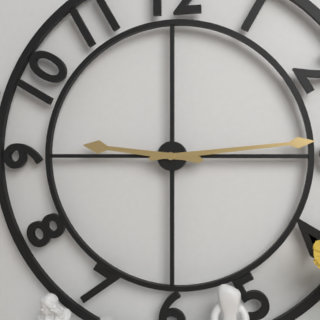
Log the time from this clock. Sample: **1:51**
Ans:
**9:14**
